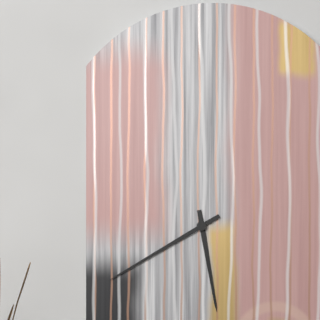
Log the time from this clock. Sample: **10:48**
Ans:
**5:40**
